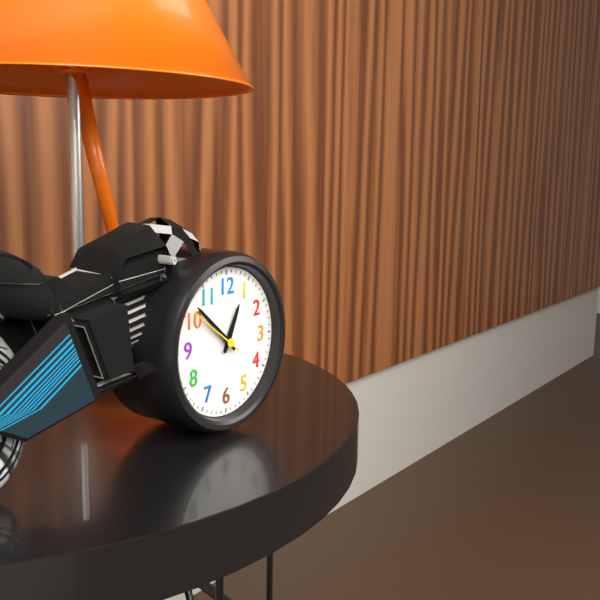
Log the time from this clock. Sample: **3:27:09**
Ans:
**12:52:51**
